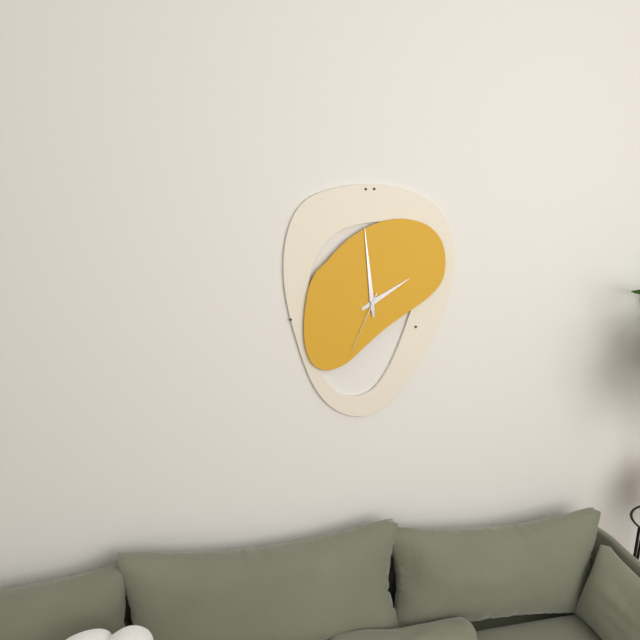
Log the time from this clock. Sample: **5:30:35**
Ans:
**1:59:34**
